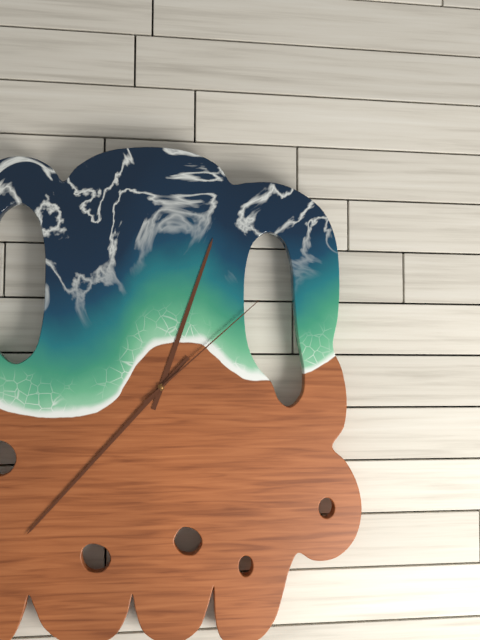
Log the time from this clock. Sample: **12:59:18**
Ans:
**12:37:08**
